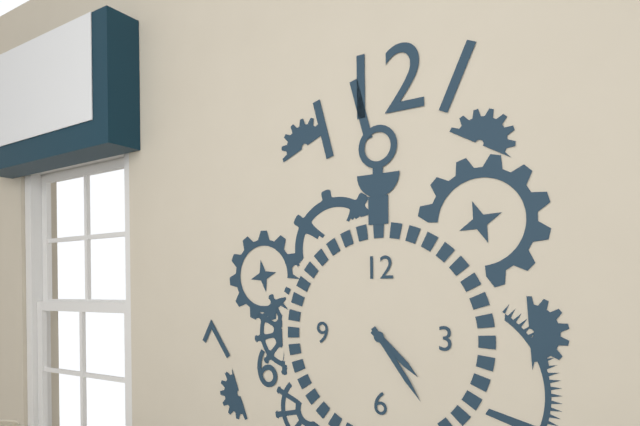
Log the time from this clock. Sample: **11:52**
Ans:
**4:24**
